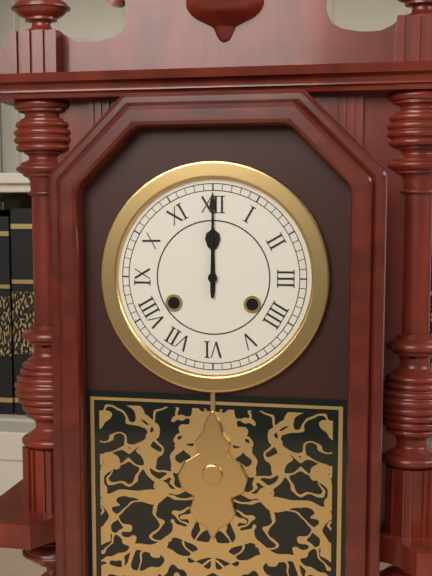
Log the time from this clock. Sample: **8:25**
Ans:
**12:00**
